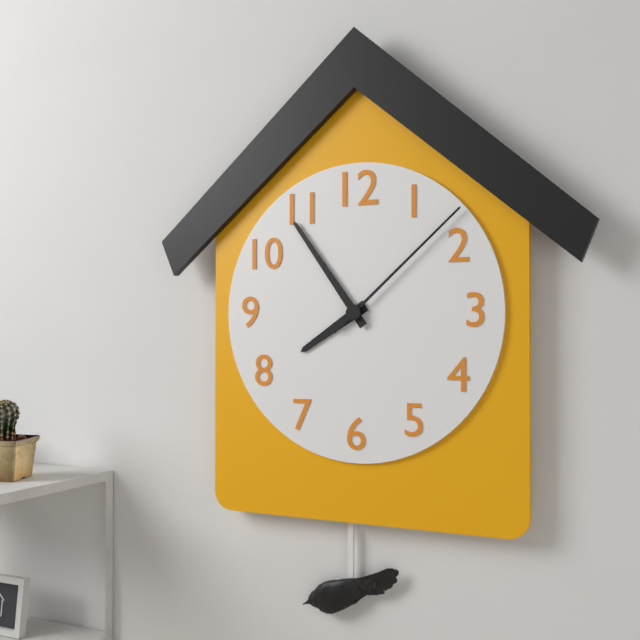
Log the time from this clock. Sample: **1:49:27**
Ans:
**7:54:08**
